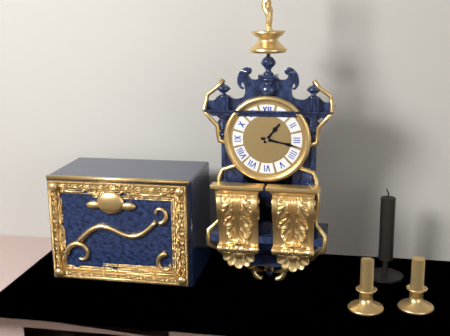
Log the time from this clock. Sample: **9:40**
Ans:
**1:17**
